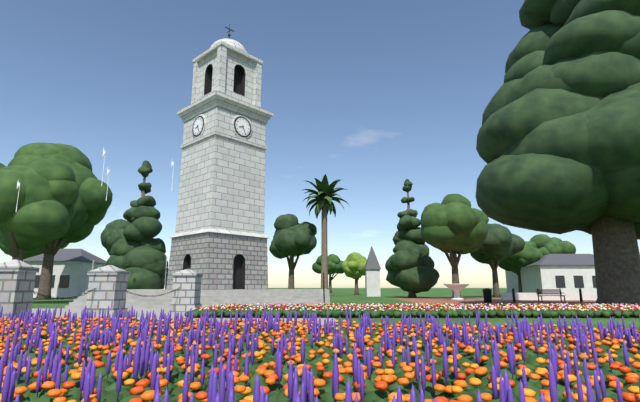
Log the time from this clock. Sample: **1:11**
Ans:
**8:26**
